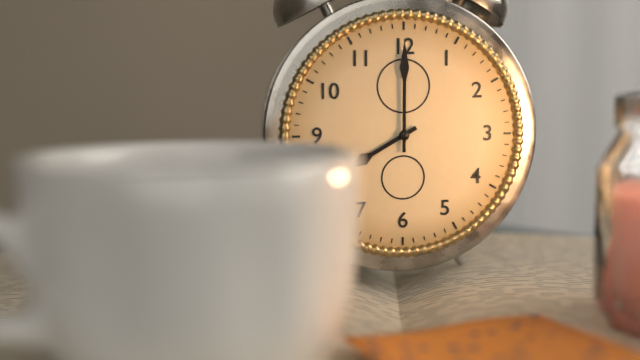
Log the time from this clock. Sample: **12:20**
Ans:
**8:00**
